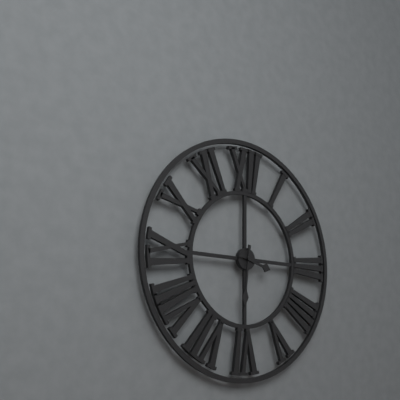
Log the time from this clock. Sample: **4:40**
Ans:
**3:31**
